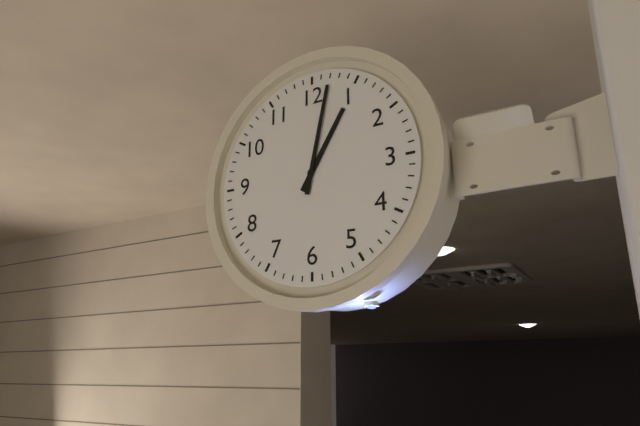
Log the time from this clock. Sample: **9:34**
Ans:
**1:02**
